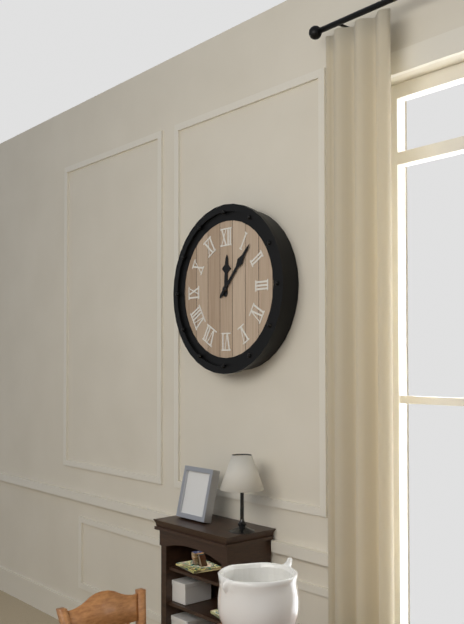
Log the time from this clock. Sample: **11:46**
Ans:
**12:07**
